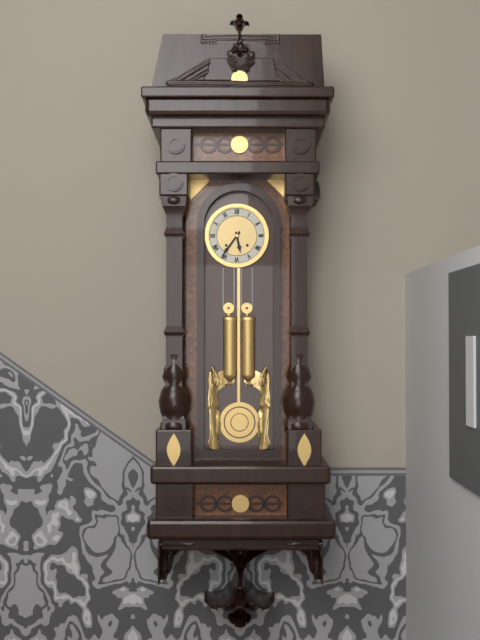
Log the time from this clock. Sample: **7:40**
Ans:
**5:36**
